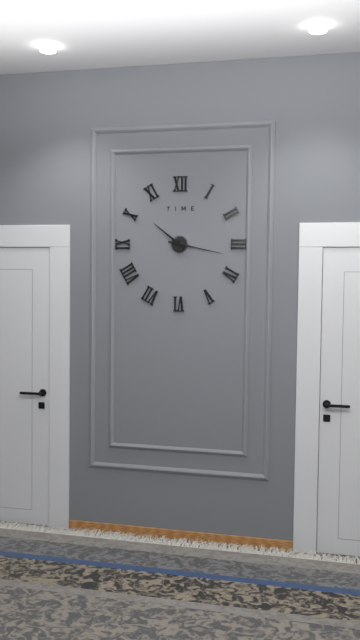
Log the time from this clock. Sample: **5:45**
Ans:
**10:17**
